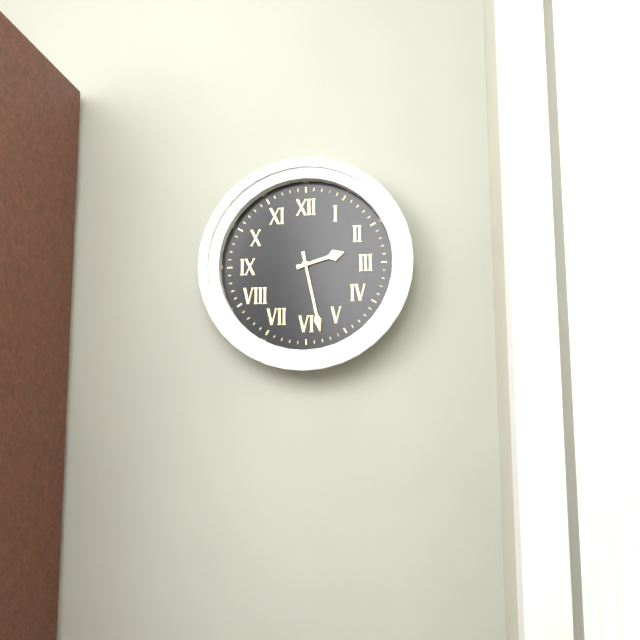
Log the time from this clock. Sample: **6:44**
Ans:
**2:28**
